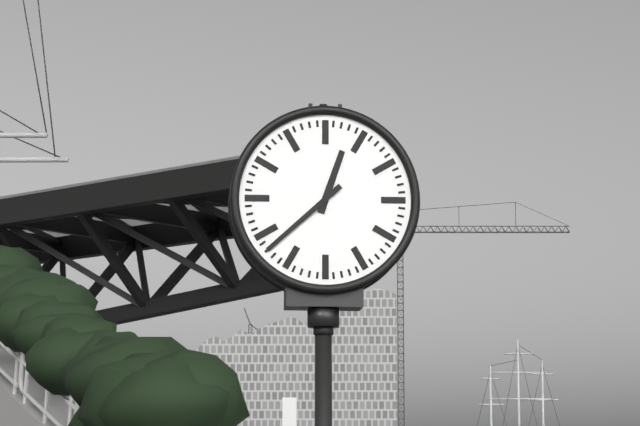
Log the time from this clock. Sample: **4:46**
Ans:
**12:38**
